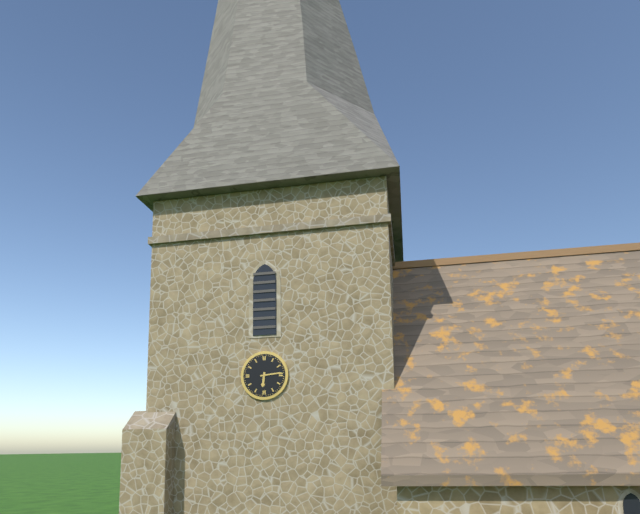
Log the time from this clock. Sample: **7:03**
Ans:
**6:14**
